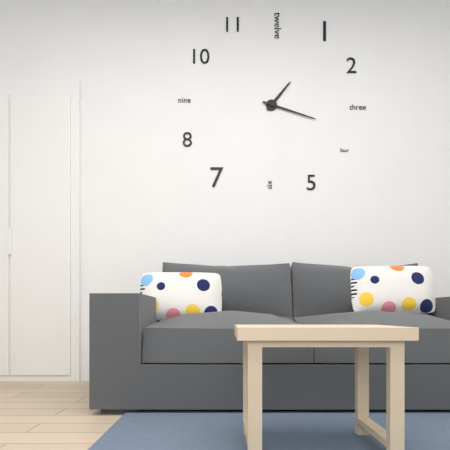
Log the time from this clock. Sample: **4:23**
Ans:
**1:18**
